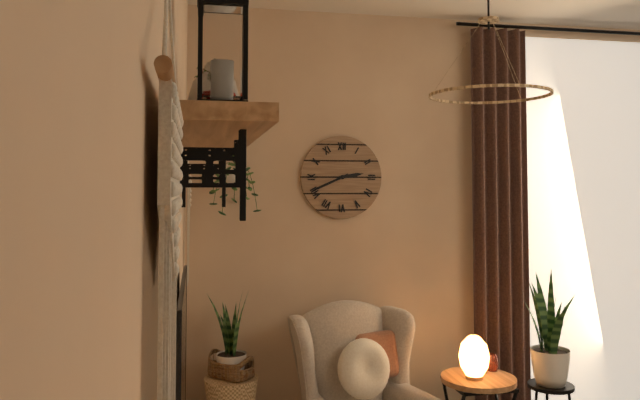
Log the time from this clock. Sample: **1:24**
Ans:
**2:41**
